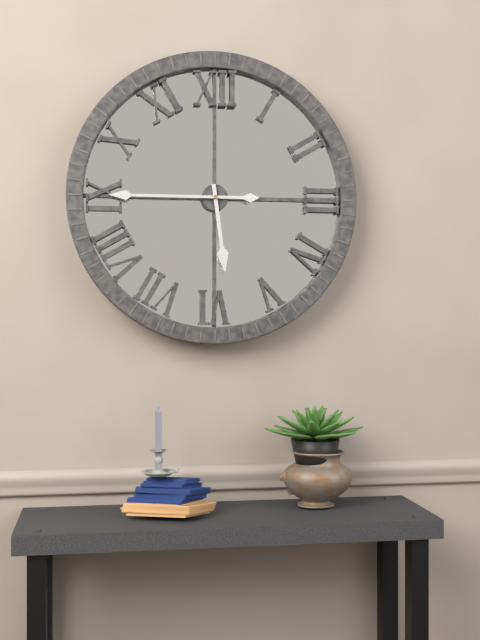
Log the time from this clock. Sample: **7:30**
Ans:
**5:45**
